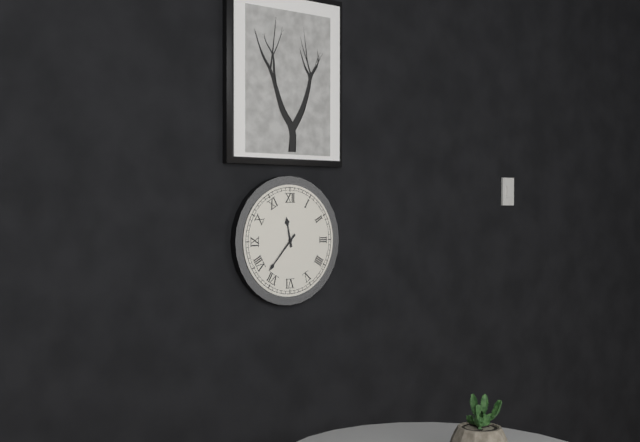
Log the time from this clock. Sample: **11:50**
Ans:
**11:37**
